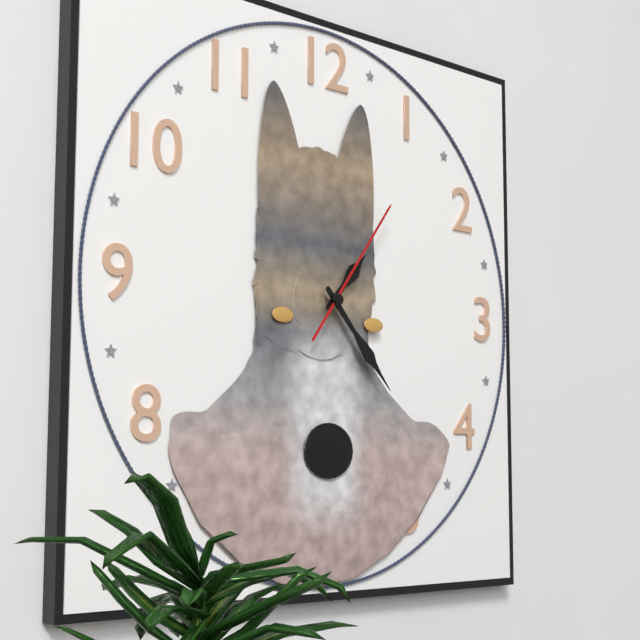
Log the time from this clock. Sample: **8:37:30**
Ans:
**1:23:06**
